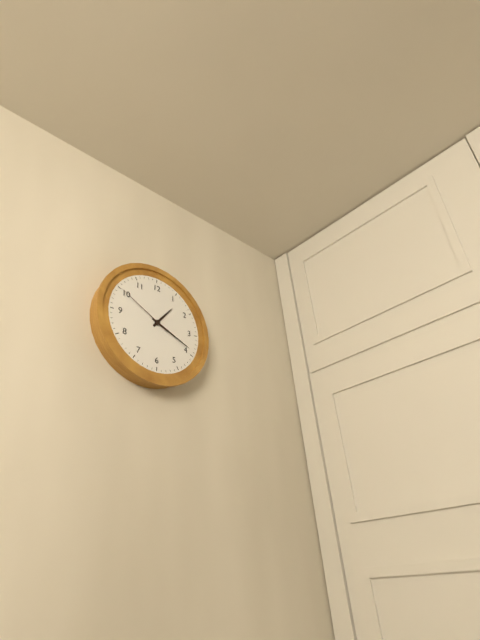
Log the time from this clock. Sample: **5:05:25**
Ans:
**1:19:50**
